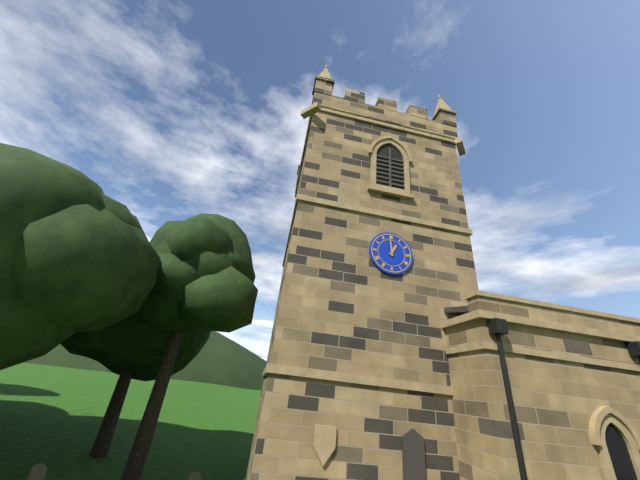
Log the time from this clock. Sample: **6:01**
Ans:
**12:59**
